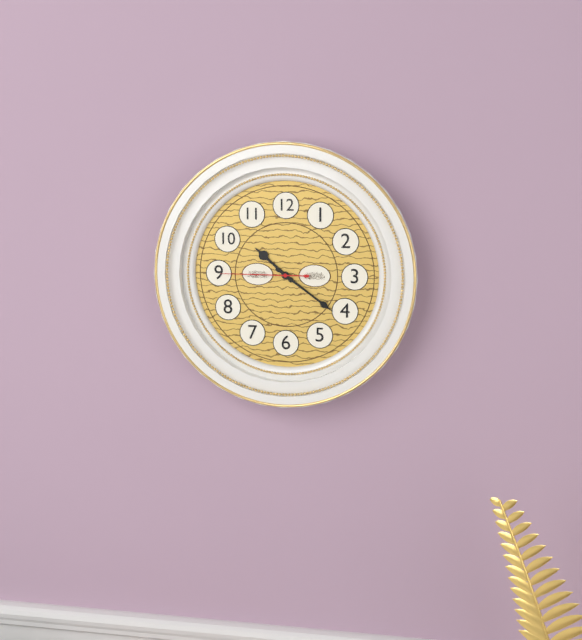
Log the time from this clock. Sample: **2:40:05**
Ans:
**10:21:45**
